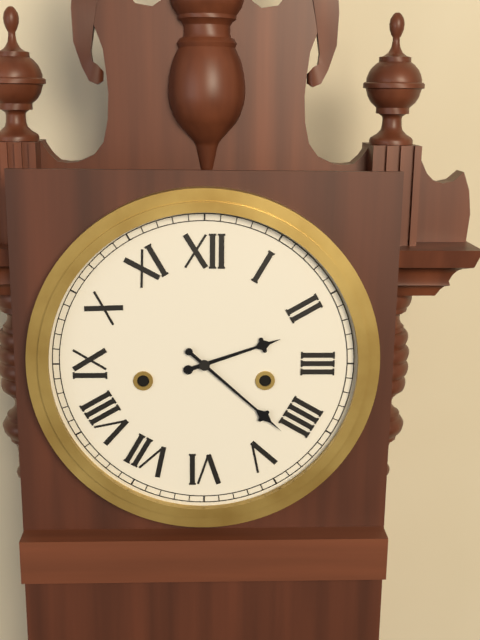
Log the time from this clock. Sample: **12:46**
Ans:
**2:22**
